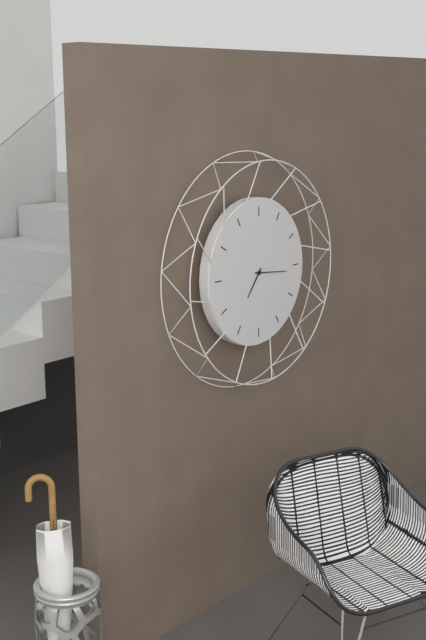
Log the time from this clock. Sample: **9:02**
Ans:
**7:16**
